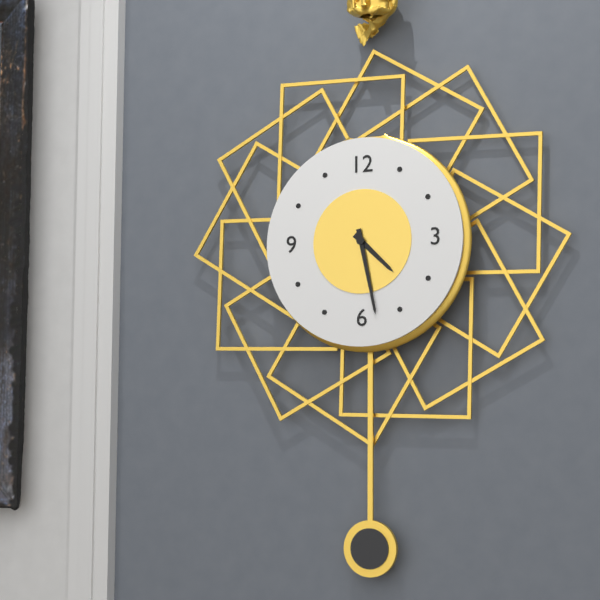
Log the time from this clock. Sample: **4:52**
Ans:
**4:28**
